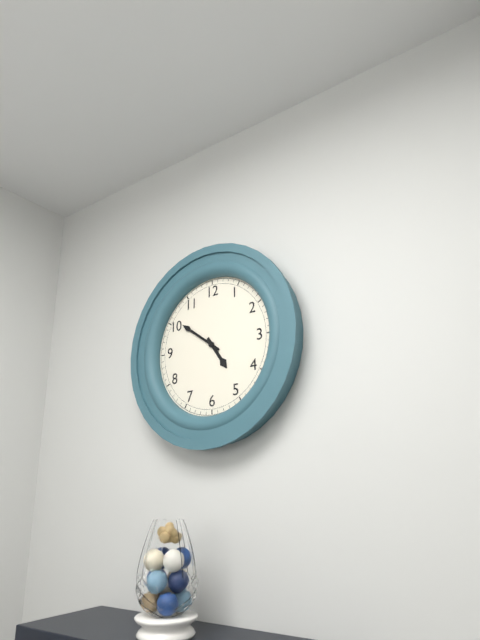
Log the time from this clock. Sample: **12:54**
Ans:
**4:51**
